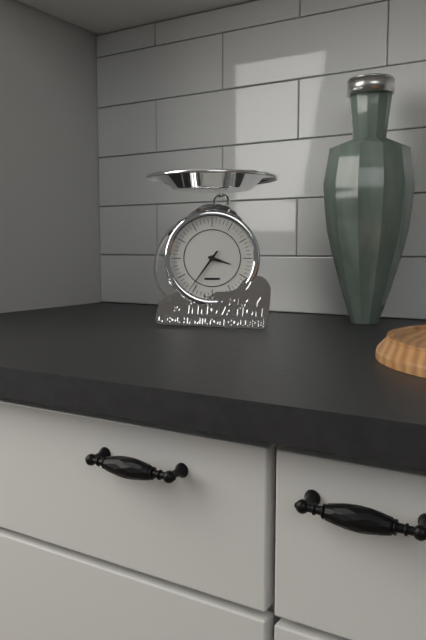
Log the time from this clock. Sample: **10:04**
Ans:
**3:36**
